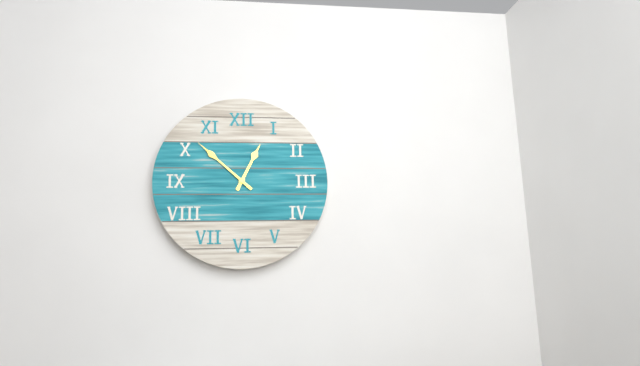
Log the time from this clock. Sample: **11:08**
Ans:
**12:52**
